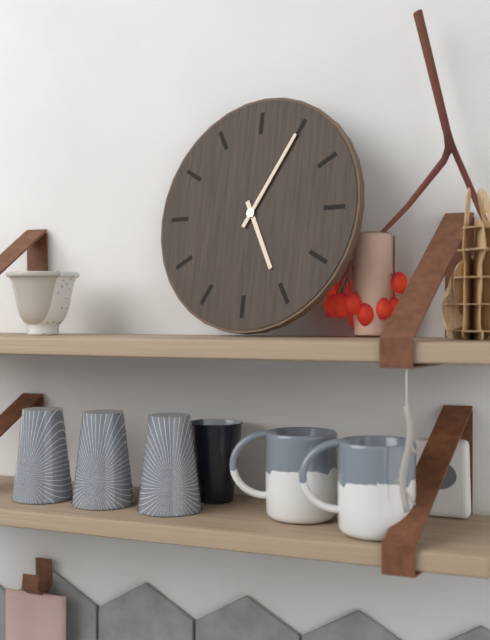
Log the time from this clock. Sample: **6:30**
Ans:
**5:05**
